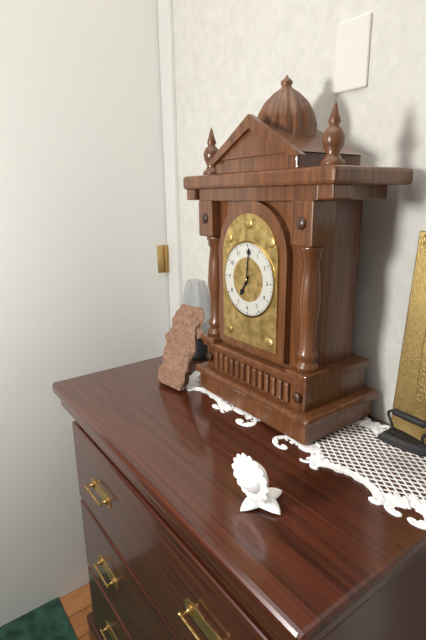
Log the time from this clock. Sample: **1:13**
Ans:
**7:01**
